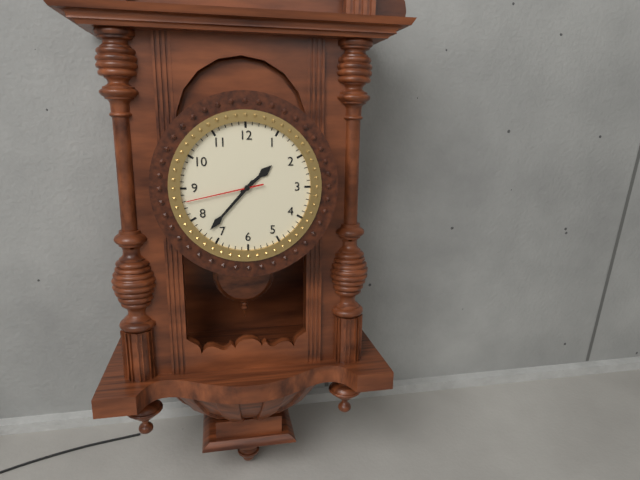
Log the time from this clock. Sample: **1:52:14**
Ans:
**1:37:43**
